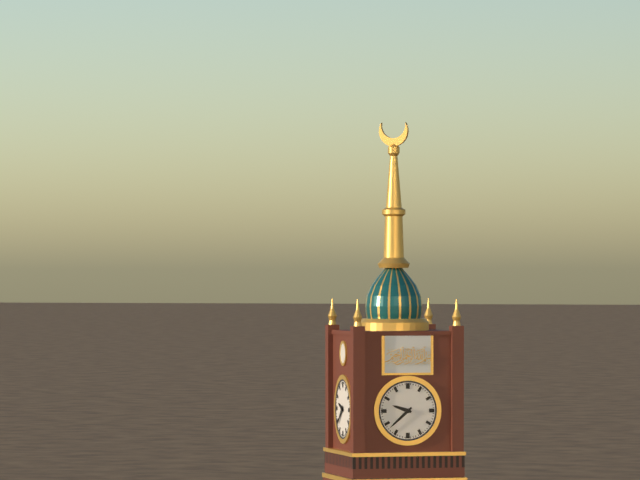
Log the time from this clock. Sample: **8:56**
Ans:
**9:38**
